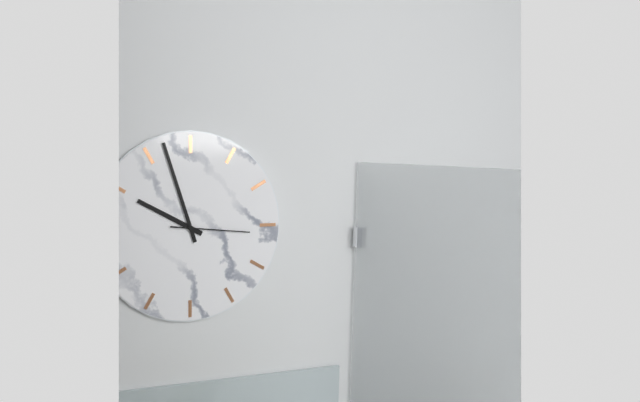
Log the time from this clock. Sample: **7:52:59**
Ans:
**9:57:16**
